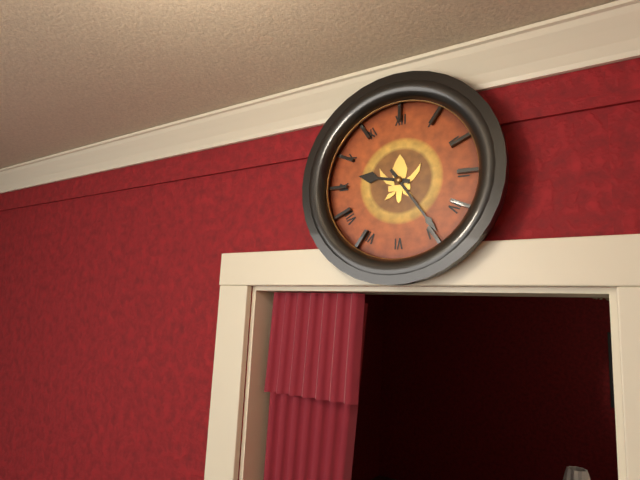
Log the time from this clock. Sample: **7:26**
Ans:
**9:24**
